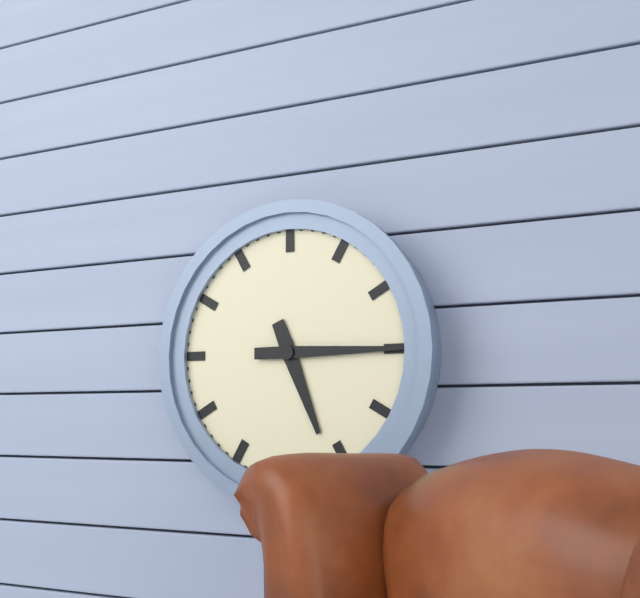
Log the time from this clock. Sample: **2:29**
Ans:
**5:15**
